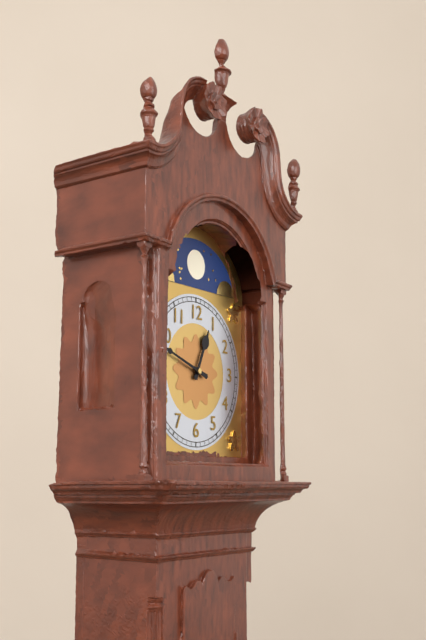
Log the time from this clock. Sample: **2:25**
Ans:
**12:48**
